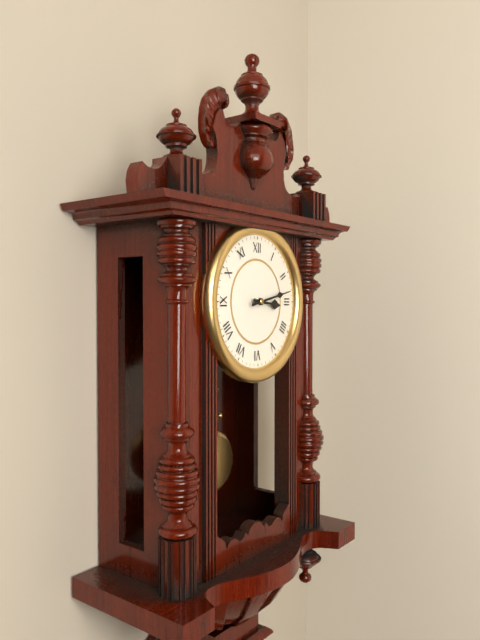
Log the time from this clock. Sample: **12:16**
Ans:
**3:13**
